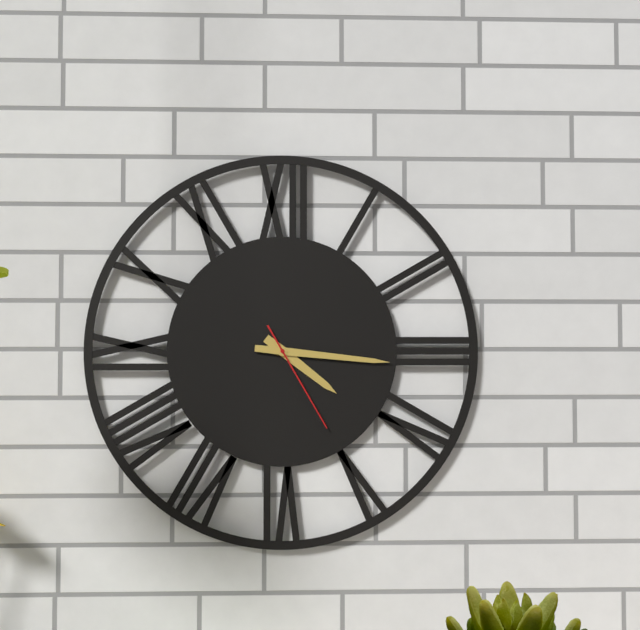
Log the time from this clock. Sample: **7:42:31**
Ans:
**4:16:25**
